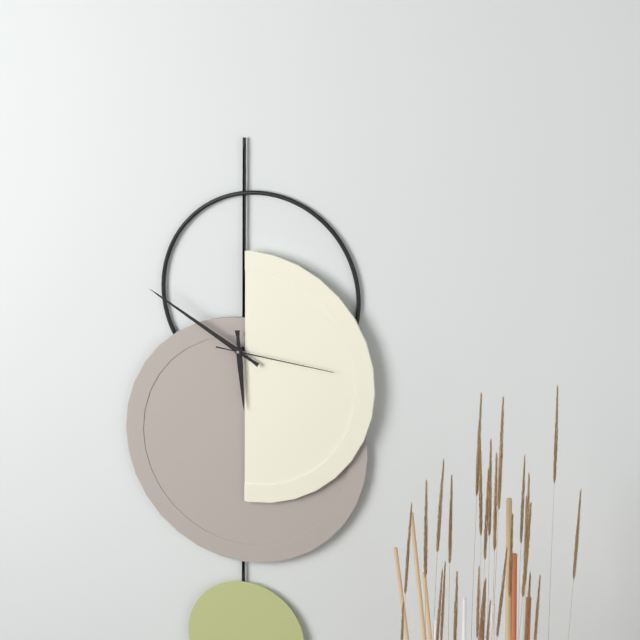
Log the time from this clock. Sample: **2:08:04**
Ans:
**5:50:16**
